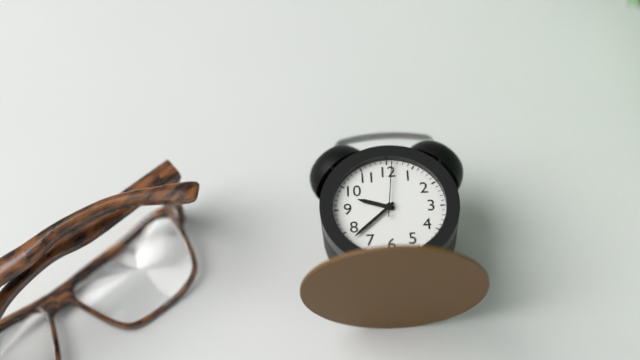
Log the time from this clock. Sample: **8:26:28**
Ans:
**9:38:01**
